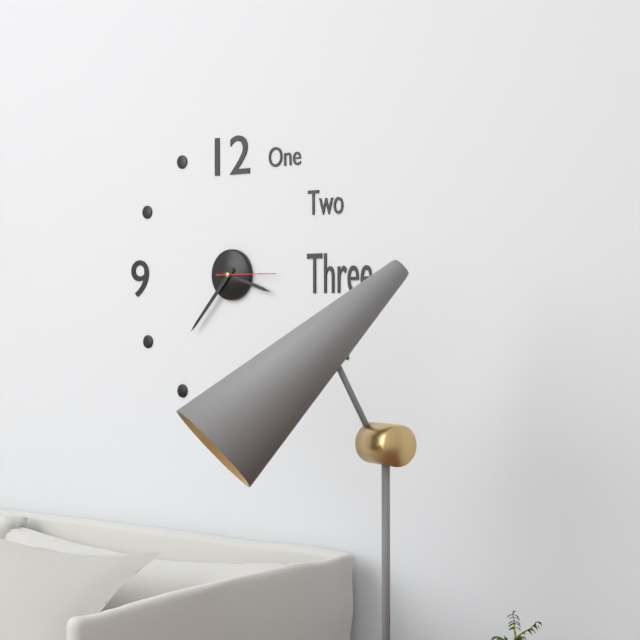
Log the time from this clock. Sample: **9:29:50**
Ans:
**3:37:15**
